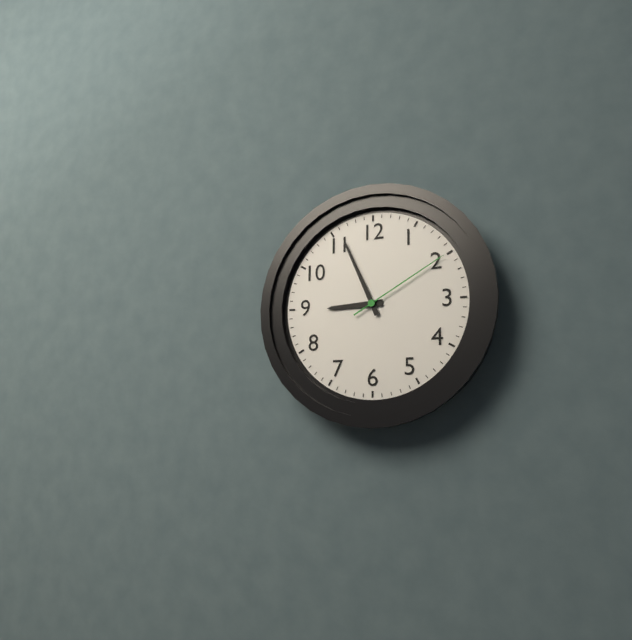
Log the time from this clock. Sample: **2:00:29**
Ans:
**8:56:10**
